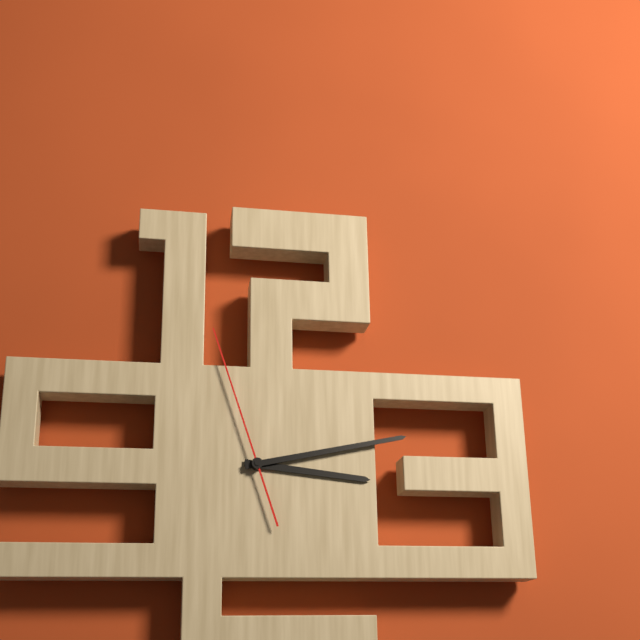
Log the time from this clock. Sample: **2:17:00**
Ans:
**3:13:57**
